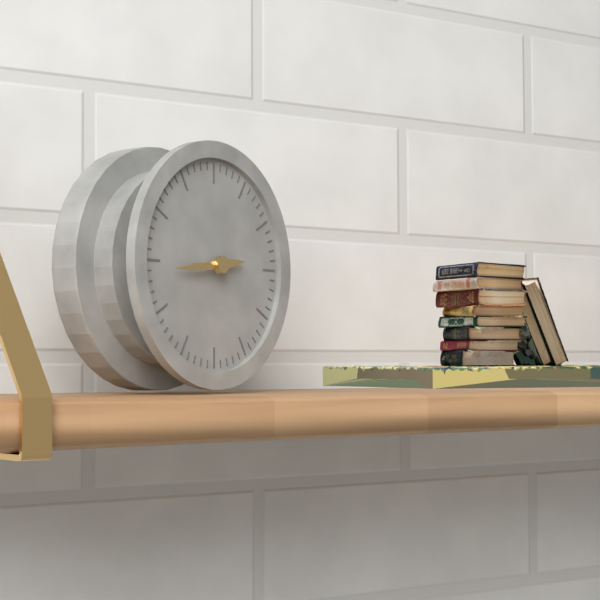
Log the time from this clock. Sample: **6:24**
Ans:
**2:44**
